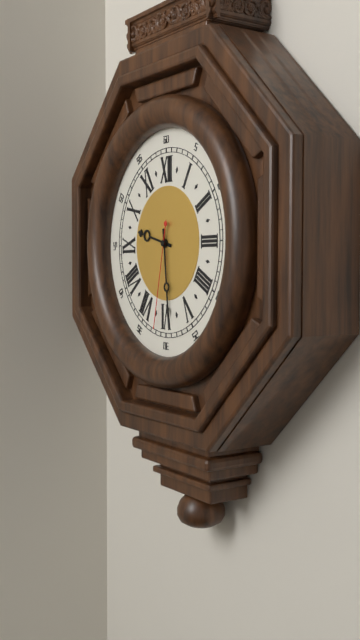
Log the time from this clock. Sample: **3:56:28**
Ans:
**9:29:32**
